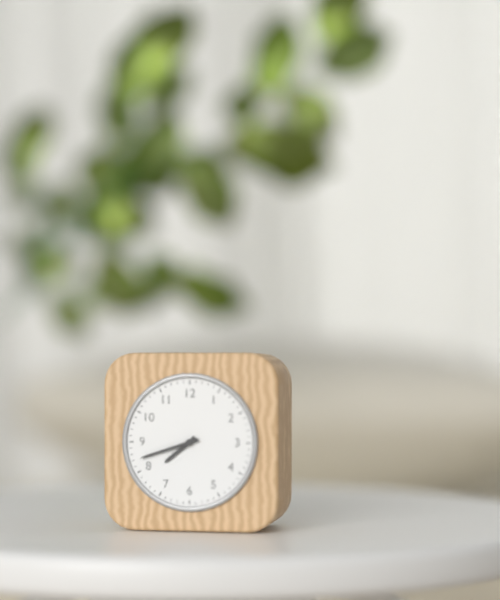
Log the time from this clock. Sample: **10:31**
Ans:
**7:42**
